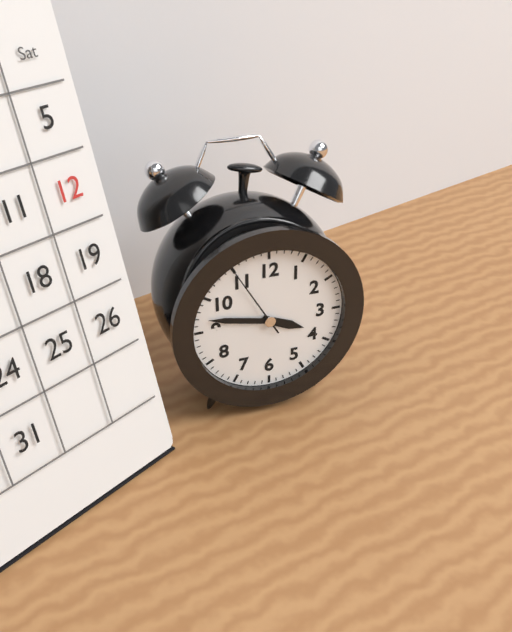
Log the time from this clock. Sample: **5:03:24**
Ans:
**3:47:55**
